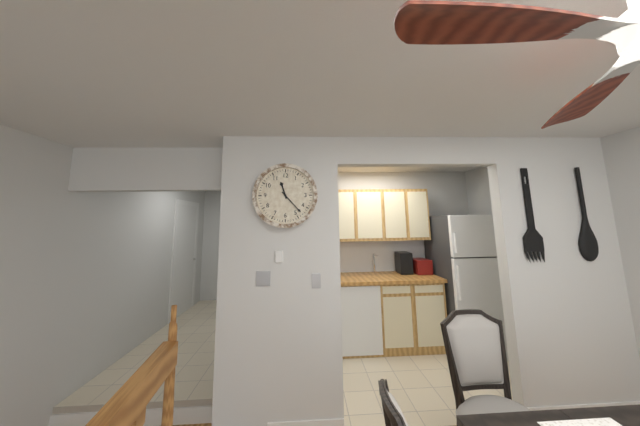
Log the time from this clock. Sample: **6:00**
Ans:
**11:23**
